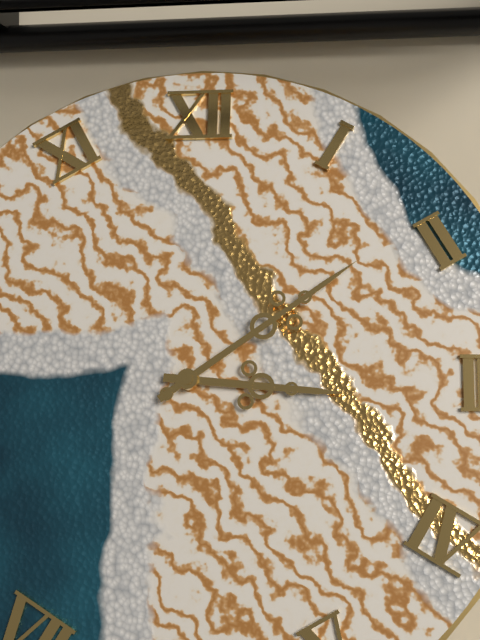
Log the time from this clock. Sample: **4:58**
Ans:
**3:09**
